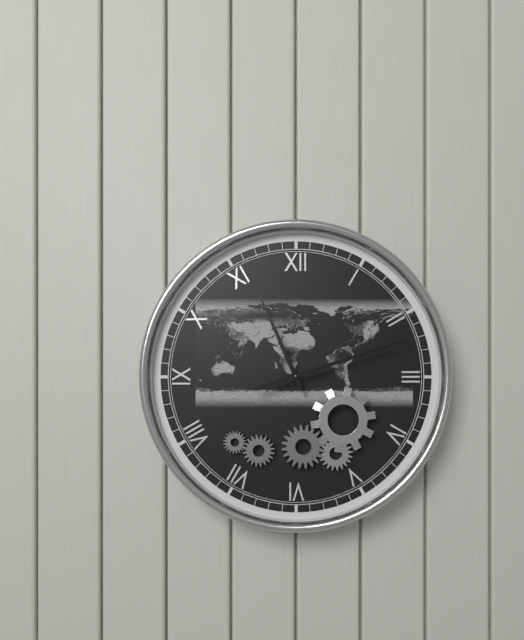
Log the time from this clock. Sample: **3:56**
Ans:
**11:12**
